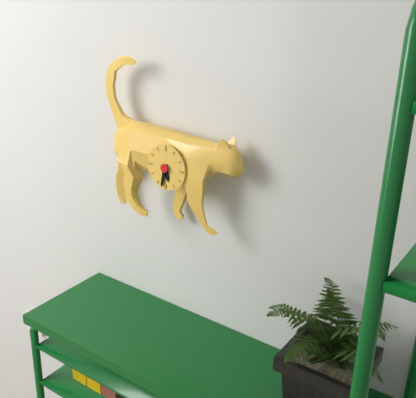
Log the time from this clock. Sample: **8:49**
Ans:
**5:32**
